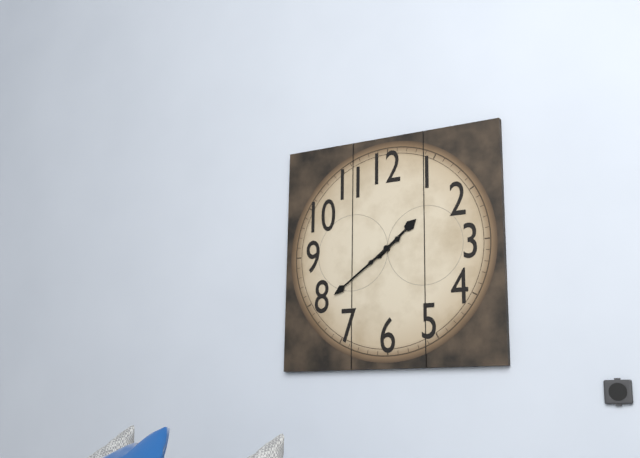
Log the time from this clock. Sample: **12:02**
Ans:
**1:39**
